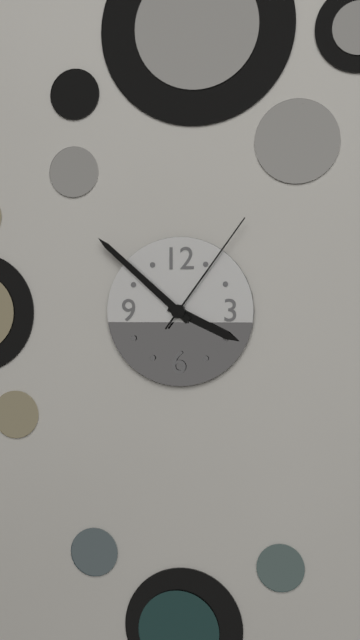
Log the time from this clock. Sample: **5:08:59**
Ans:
**3:52:06**
